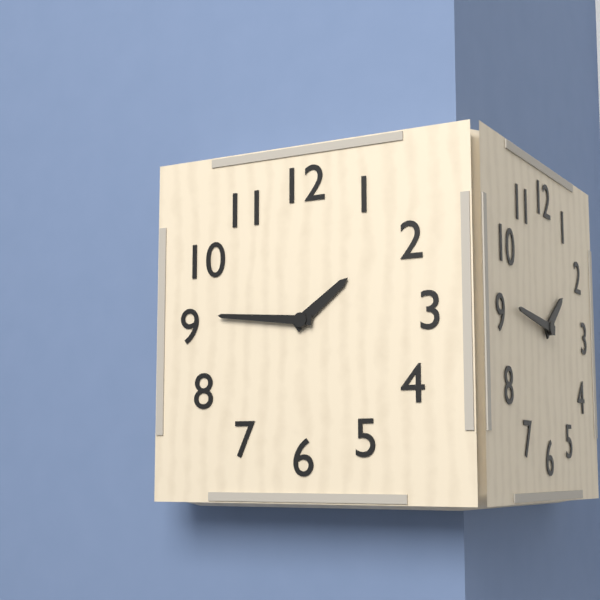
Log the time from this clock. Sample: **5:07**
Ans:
**1:46**
